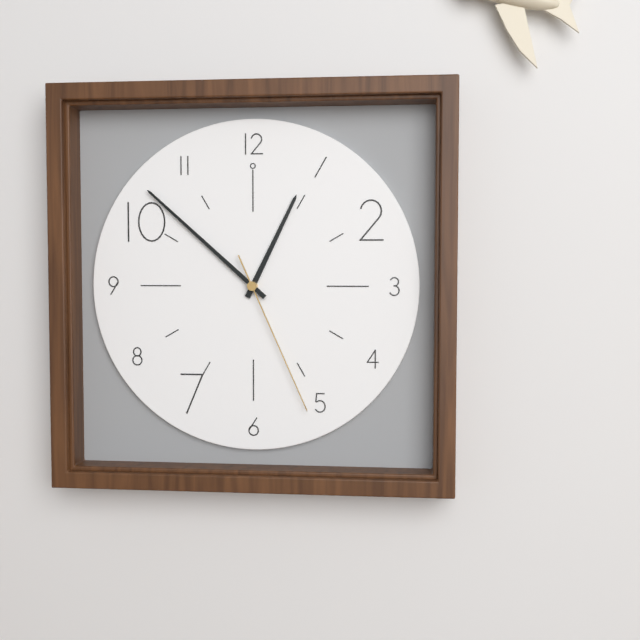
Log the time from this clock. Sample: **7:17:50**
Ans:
**12:52:26**
